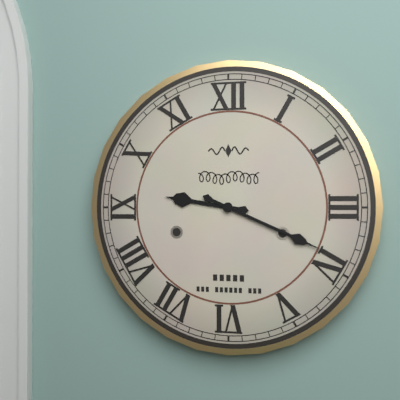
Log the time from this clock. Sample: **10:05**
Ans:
**9:19**
